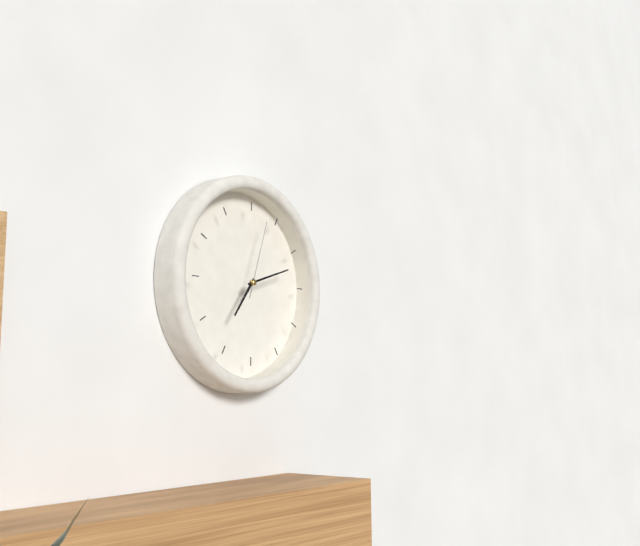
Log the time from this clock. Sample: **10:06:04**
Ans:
**7:12:03**
